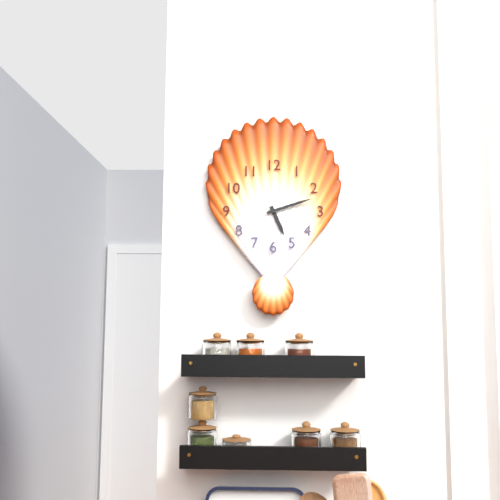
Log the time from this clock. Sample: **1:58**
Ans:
**5:12**
